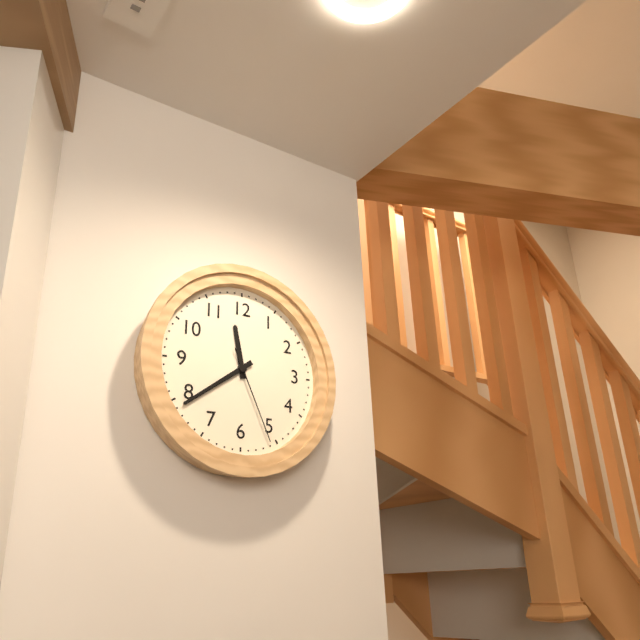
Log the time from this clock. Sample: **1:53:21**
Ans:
**11:39:26**
